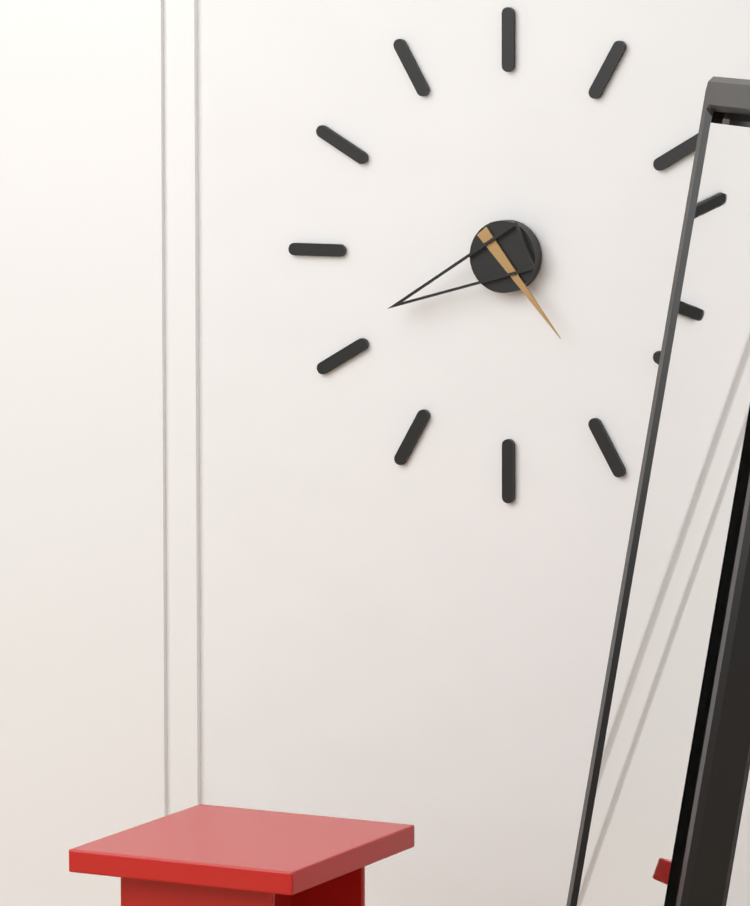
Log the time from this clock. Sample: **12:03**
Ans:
**4:41**
